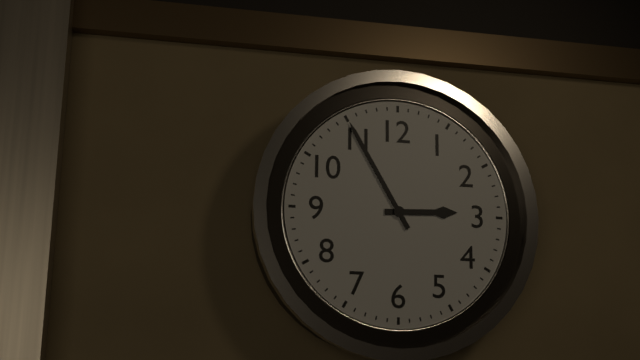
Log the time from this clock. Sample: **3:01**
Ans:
**2:55**
